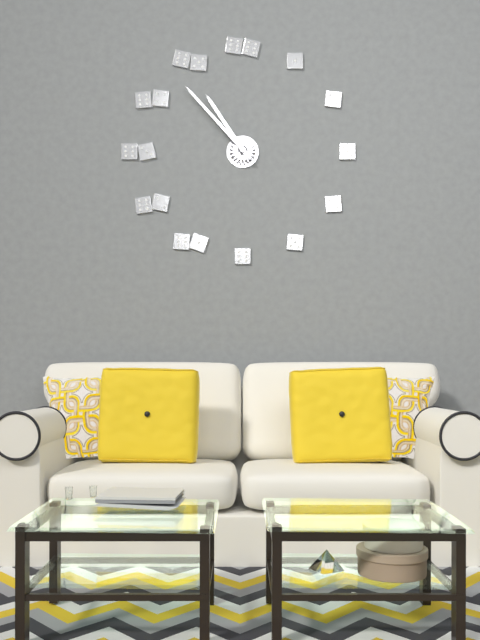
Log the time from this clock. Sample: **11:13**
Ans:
**10:53**
